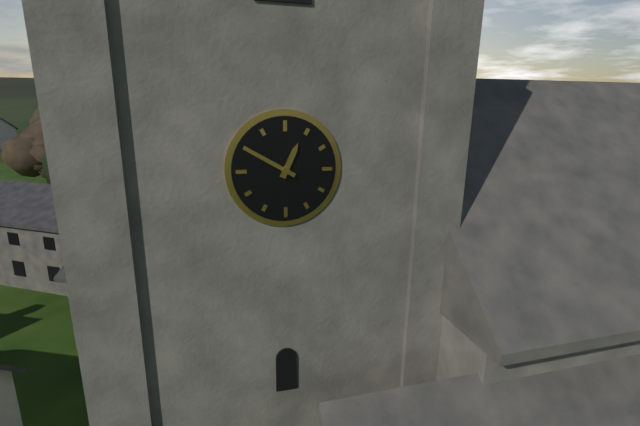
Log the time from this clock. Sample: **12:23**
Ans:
**12:50**
